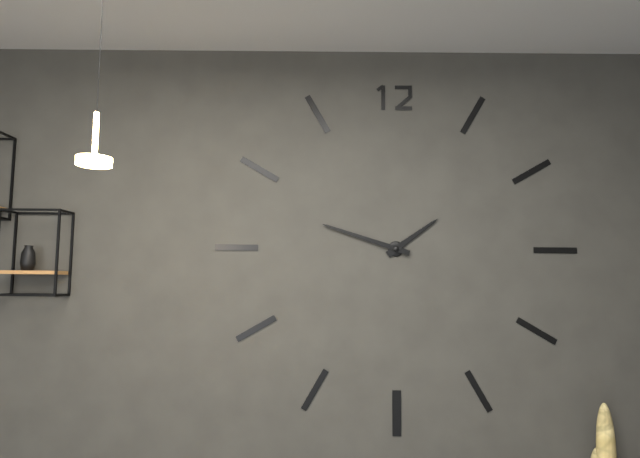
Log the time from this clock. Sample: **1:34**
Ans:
**1:48**
